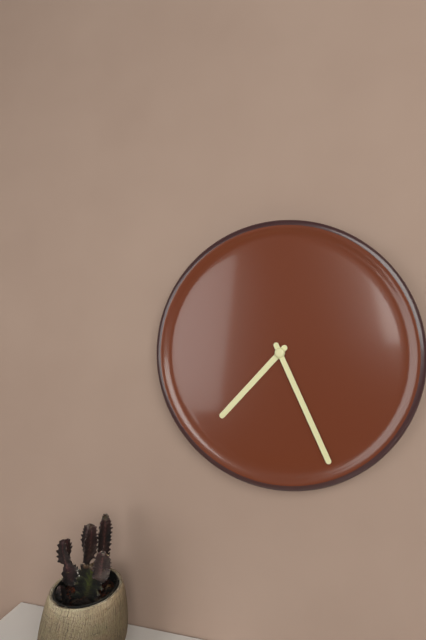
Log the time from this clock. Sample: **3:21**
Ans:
**7:26**
